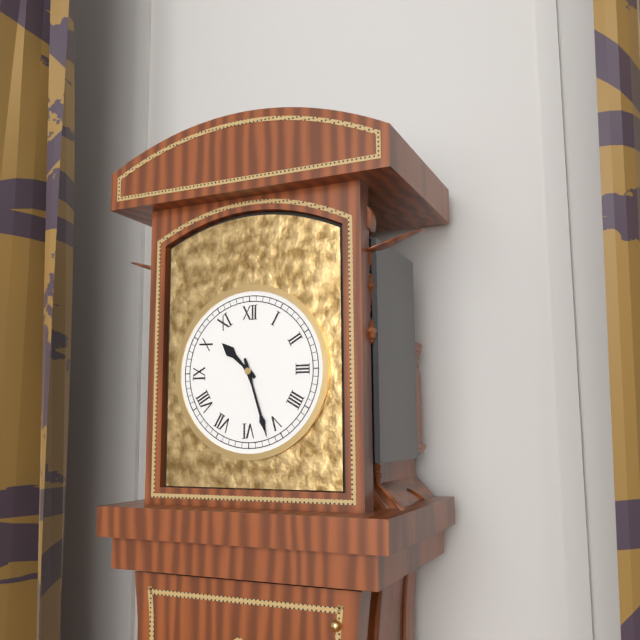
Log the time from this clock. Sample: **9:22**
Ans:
**10:27**
